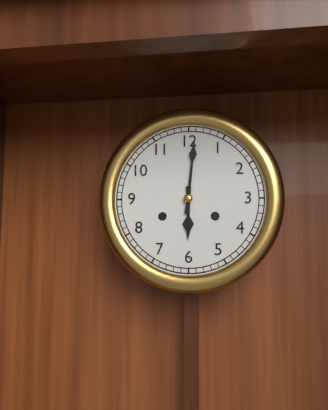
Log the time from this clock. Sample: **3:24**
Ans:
**6:01**
